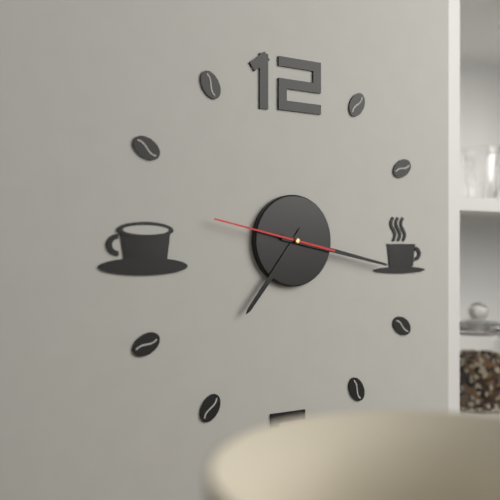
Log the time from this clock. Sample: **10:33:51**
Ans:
**7:17:47**
